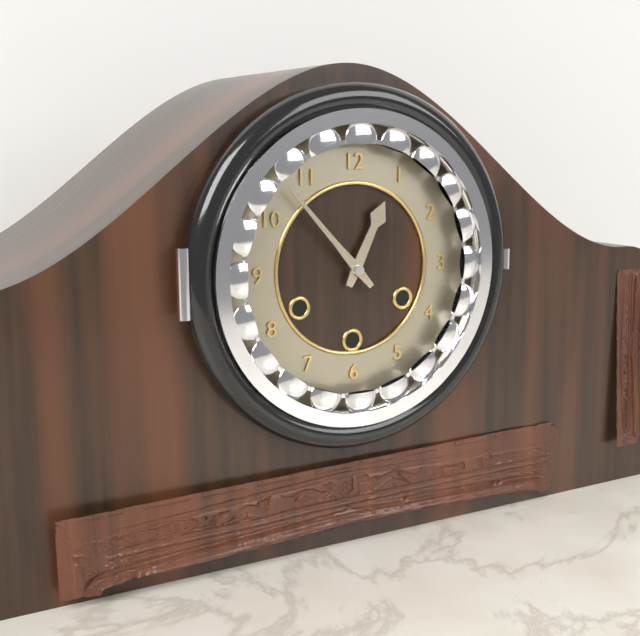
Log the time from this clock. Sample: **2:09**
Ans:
**12:53**
